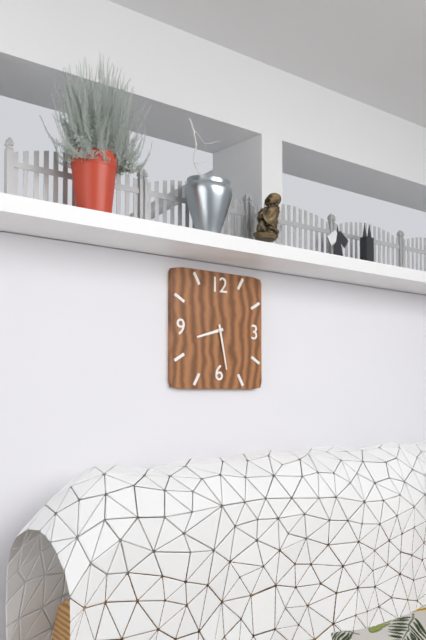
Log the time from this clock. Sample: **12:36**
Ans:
**8:28**
